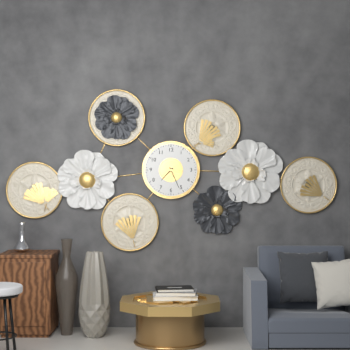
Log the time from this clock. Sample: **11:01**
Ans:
**7:26**
